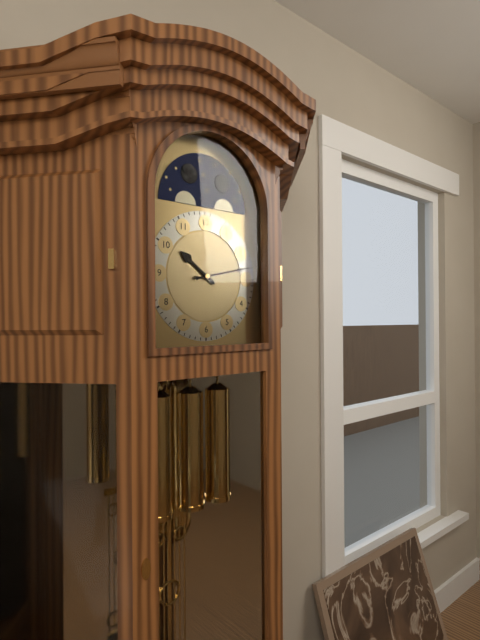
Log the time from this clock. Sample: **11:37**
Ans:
**10:13**
